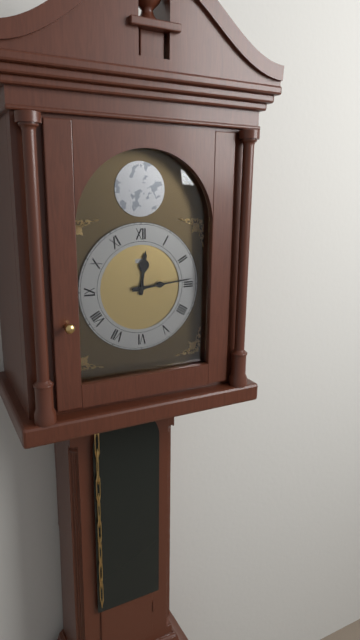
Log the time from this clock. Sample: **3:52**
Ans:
**12:14**
